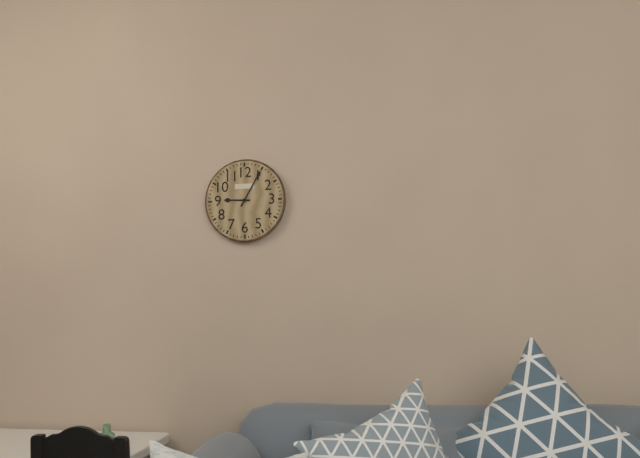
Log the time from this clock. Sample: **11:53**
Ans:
**9:05**
